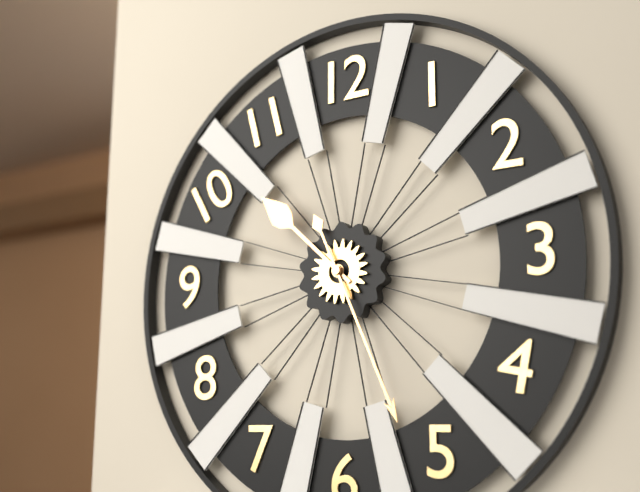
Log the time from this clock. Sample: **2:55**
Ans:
**10:26**
